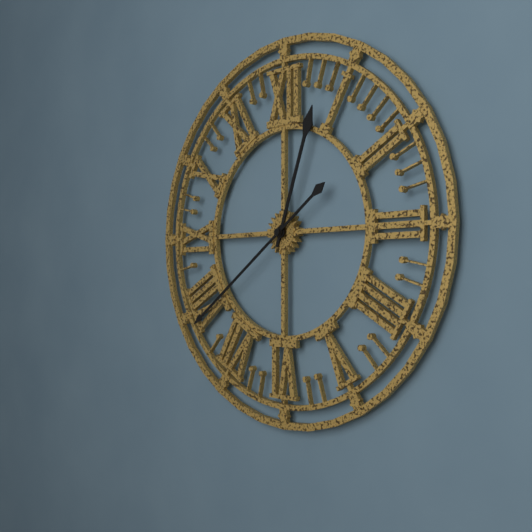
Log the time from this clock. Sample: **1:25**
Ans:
**12:39**
